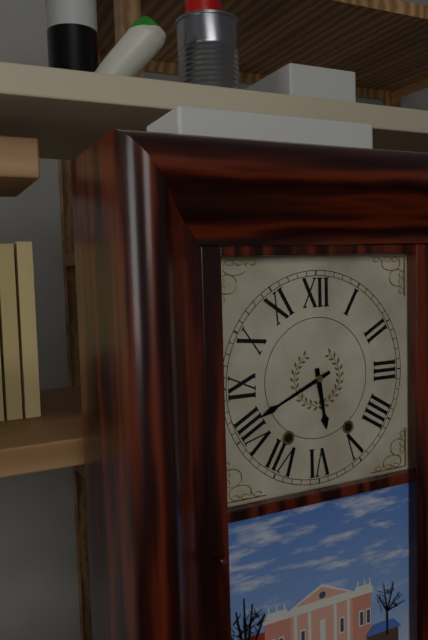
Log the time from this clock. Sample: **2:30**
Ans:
**5:41**
